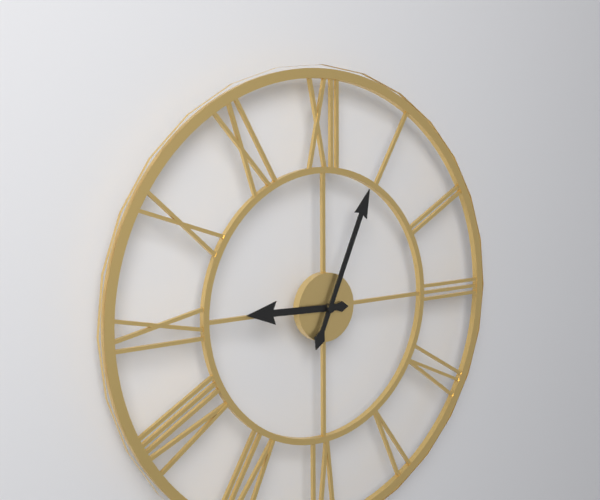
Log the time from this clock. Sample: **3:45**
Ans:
**9:04**
